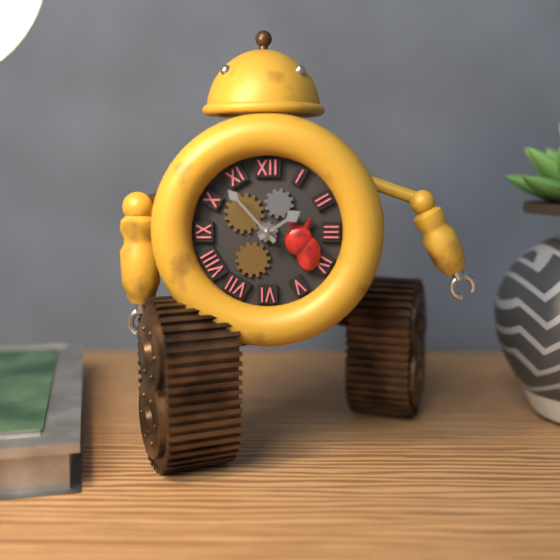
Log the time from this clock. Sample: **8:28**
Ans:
**1:53**
